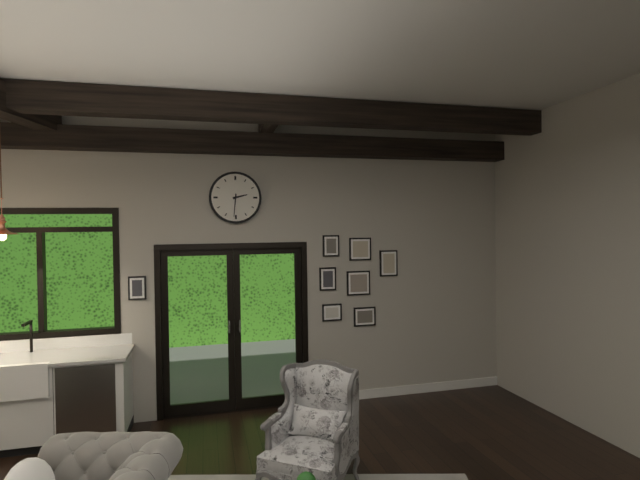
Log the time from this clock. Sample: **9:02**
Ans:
**2:31**
